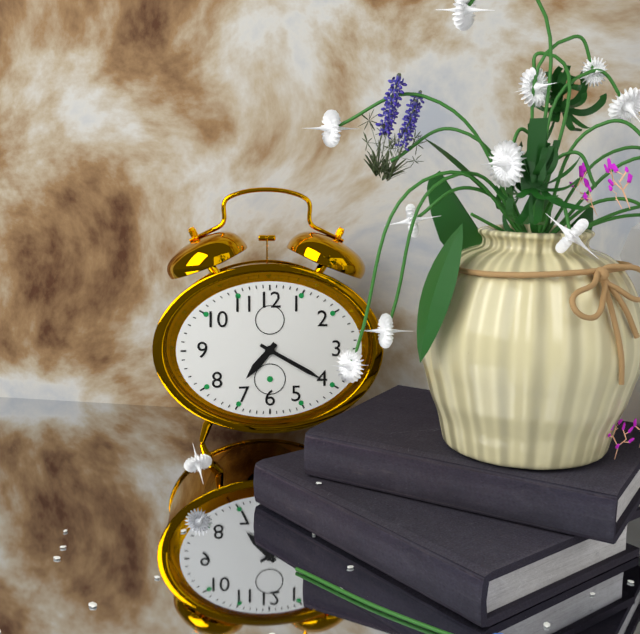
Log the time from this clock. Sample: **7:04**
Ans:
**7:20**
